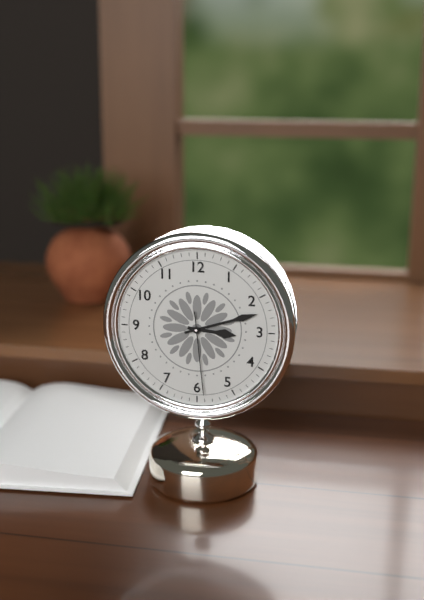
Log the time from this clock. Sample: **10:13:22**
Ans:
**3:12:29**
